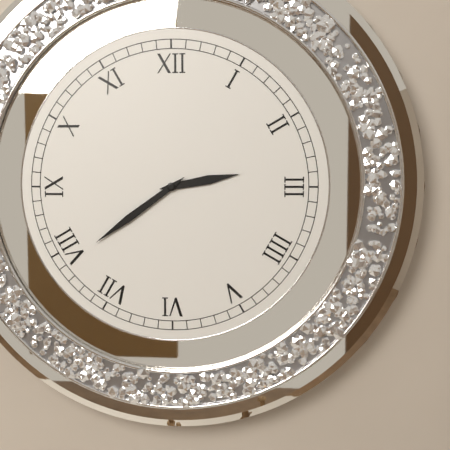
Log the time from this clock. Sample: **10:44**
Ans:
**2:39**
